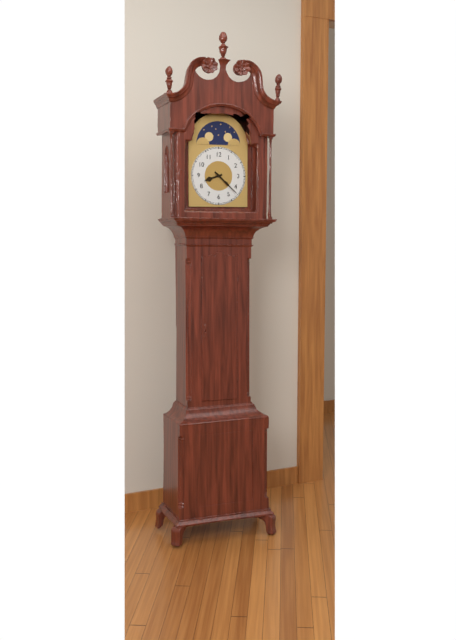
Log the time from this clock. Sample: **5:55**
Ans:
**8:22**
